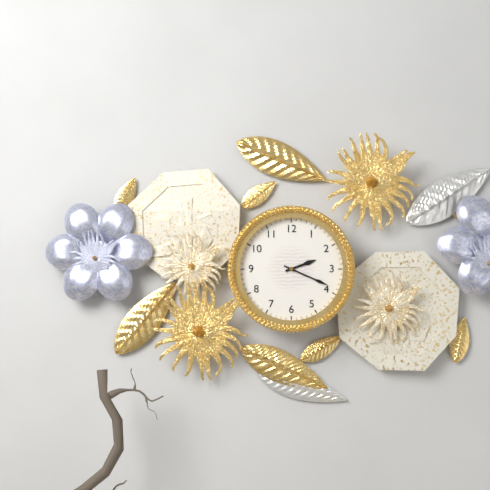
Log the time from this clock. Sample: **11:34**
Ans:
**2:19**
